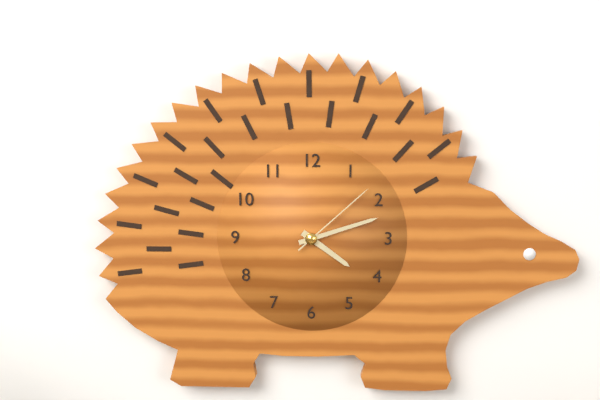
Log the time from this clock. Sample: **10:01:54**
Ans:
**4:12:08**
